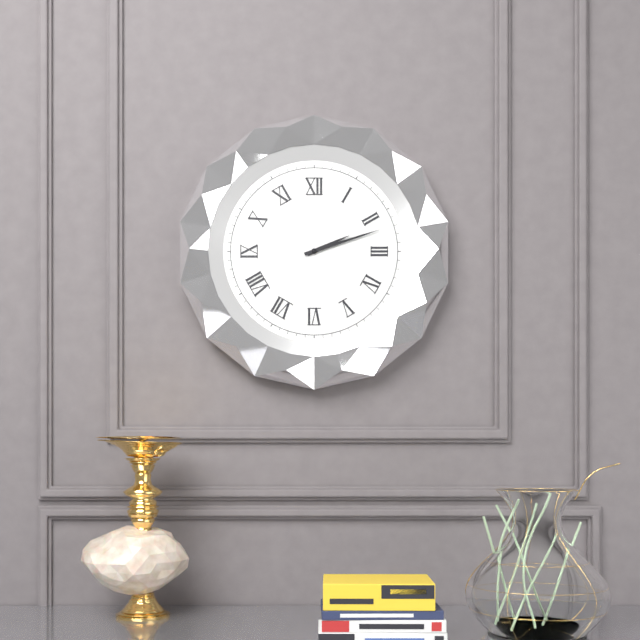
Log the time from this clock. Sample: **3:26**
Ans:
**2:12**
